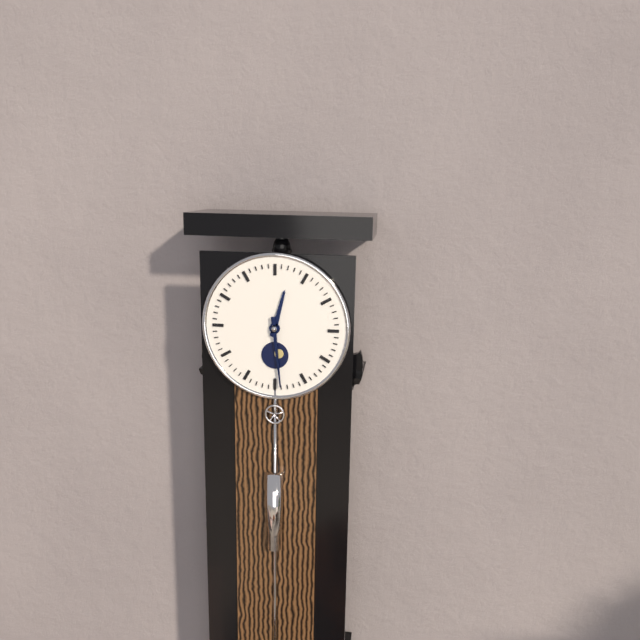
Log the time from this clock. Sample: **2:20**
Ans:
**12:29**
